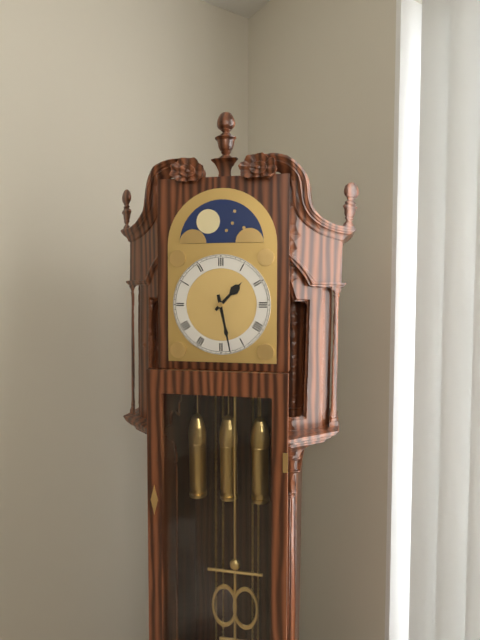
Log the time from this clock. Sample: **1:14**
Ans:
**1:28**
